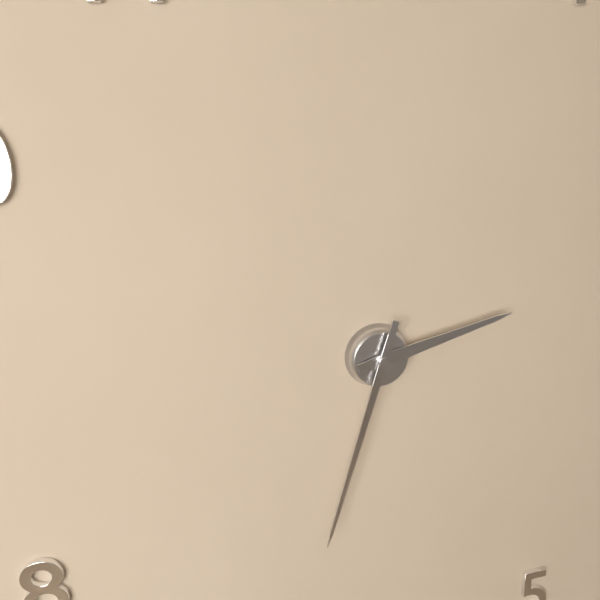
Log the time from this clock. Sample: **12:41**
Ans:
**2:33**
